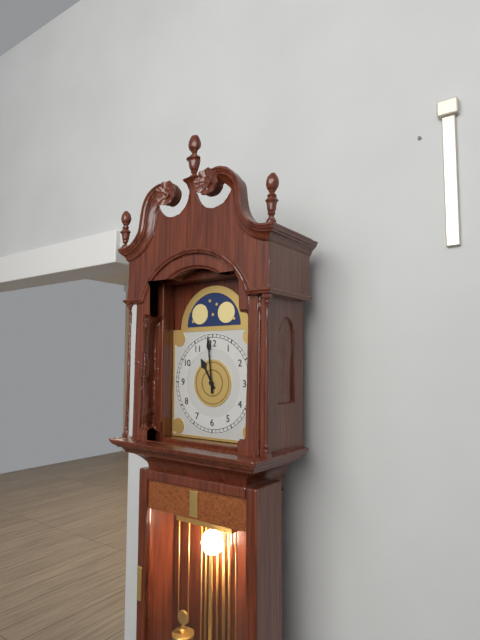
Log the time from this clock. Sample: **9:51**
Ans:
**10:59**
